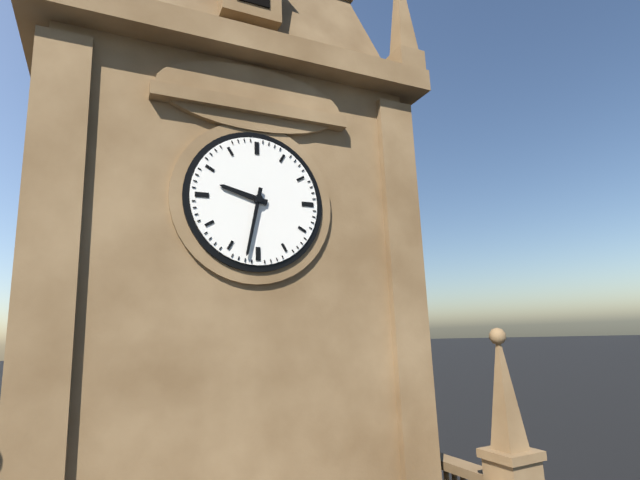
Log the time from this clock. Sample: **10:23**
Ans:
**9:32**
